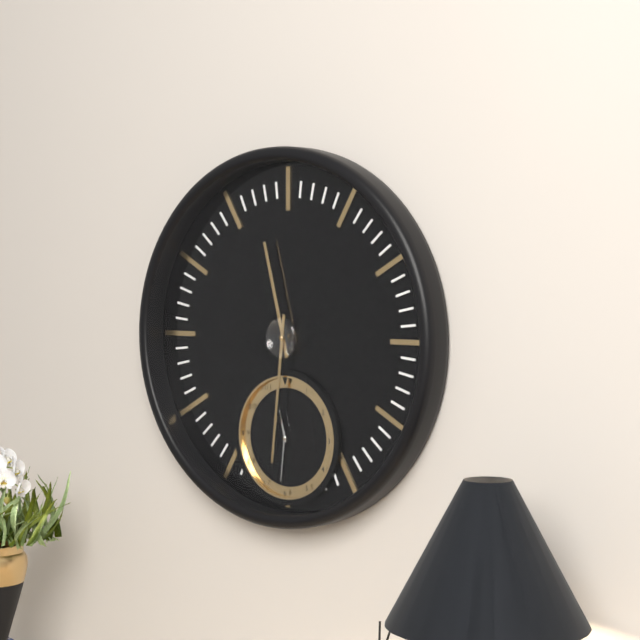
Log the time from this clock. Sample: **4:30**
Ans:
**11:31**
